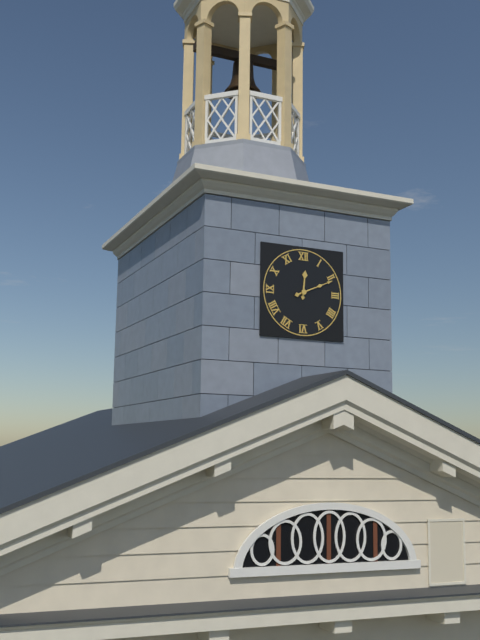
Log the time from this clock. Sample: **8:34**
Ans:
**12:11**
